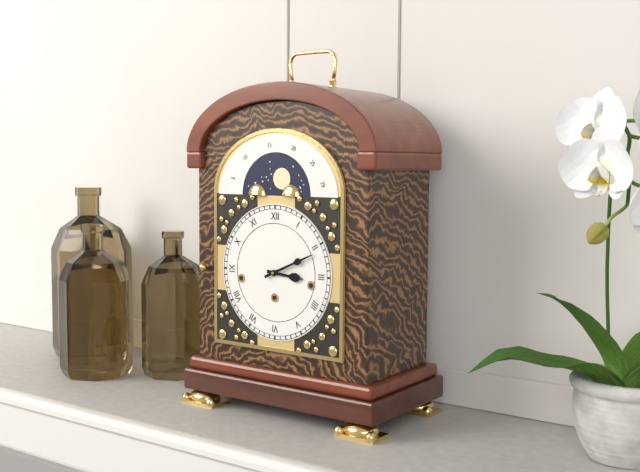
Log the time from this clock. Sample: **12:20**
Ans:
**3:11**
